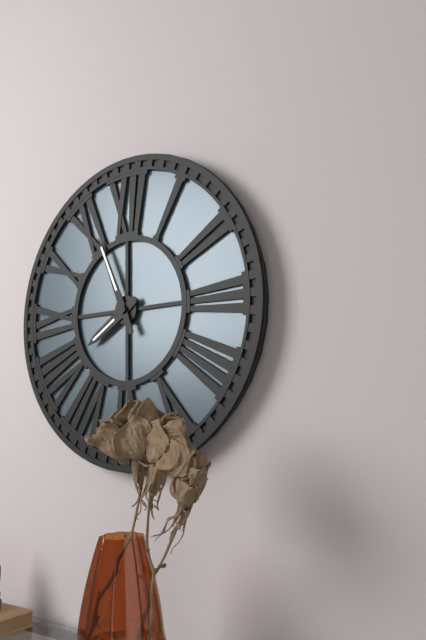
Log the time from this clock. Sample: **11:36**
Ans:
**7:56**
